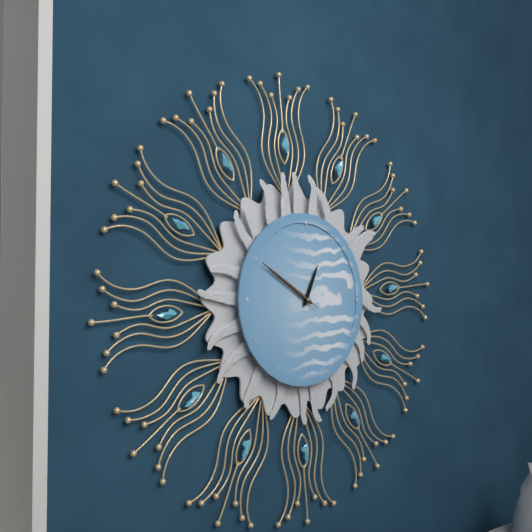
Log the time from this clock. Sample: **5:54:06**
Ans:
**12:50:50**
